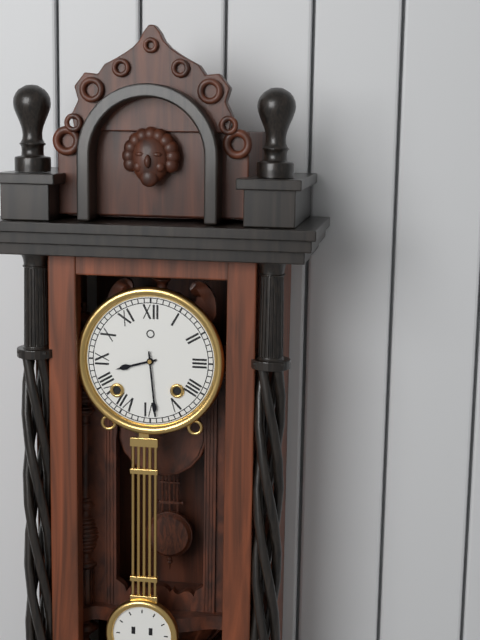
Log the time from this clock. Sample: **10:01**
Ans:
**8:29**
